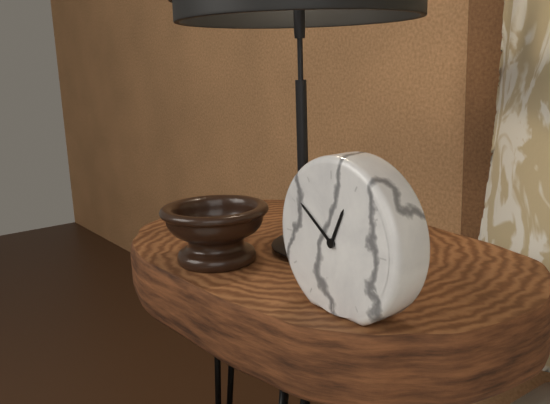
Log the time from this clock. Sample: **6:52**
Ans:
**12:51**
